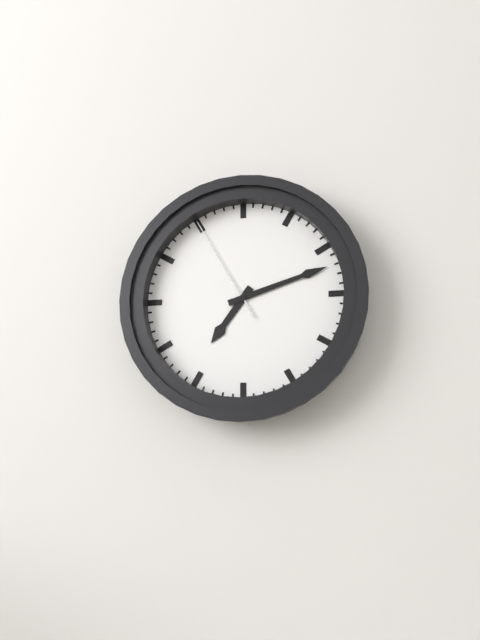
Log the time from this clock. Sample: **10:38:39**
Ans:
**7:12:55**
